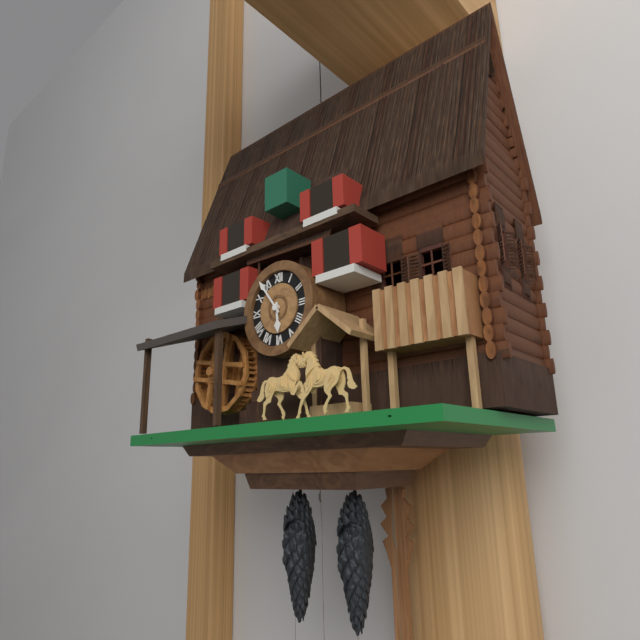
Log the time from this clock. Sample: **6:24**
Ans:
**5:54**
